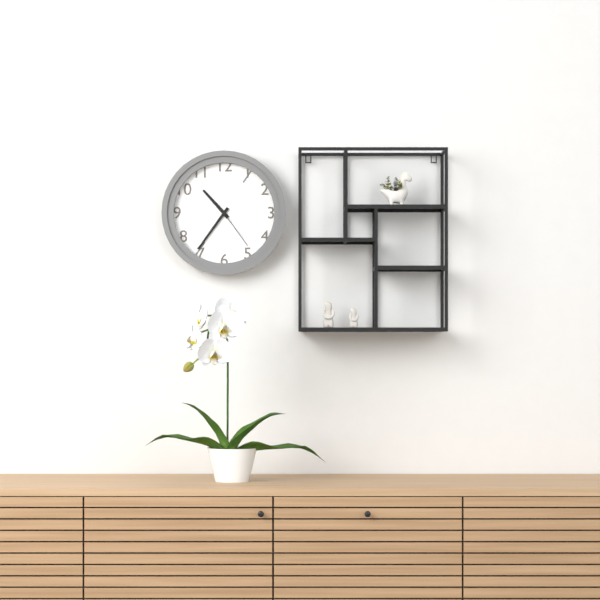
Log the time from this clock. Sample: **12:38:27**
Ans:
**10:36:24**
